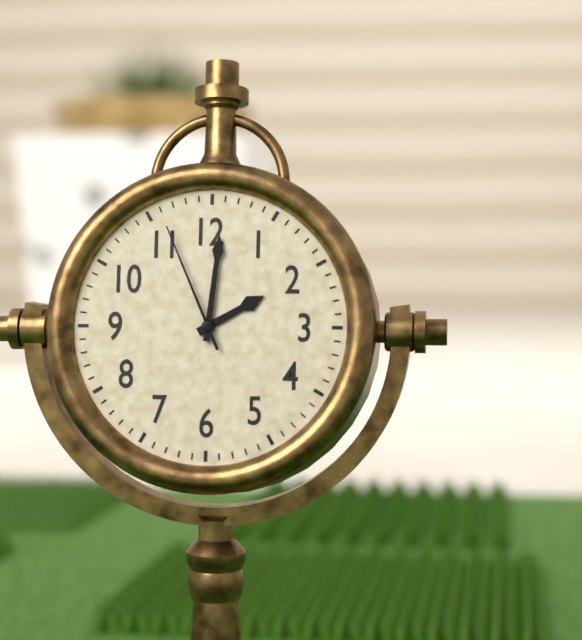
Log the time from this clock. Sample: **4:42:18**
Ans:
**2:01:56**
